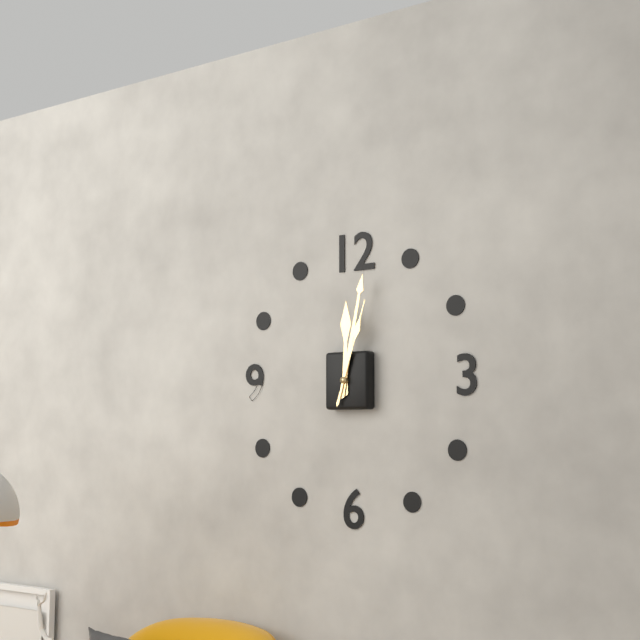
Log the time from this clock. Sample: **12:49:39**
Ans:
**12:02:03**
